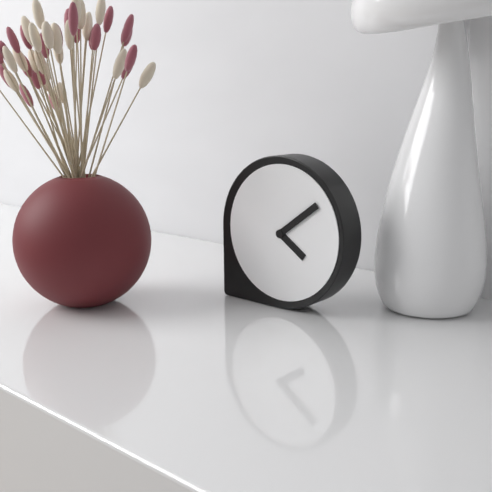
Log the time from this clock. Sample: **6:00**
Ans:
**4:09**
